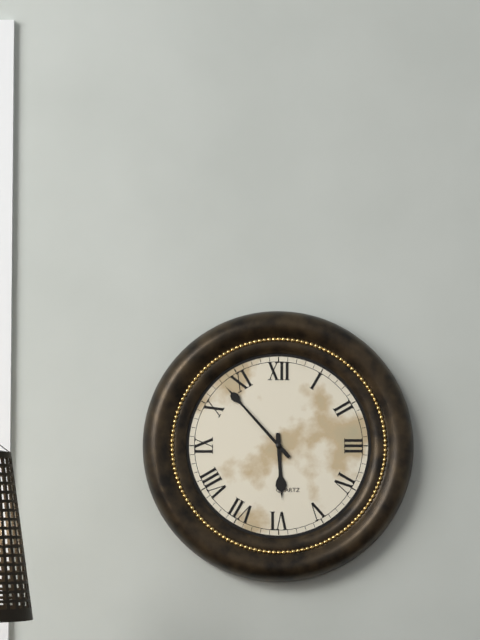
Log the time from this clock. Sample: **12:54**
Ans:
**5:53**
